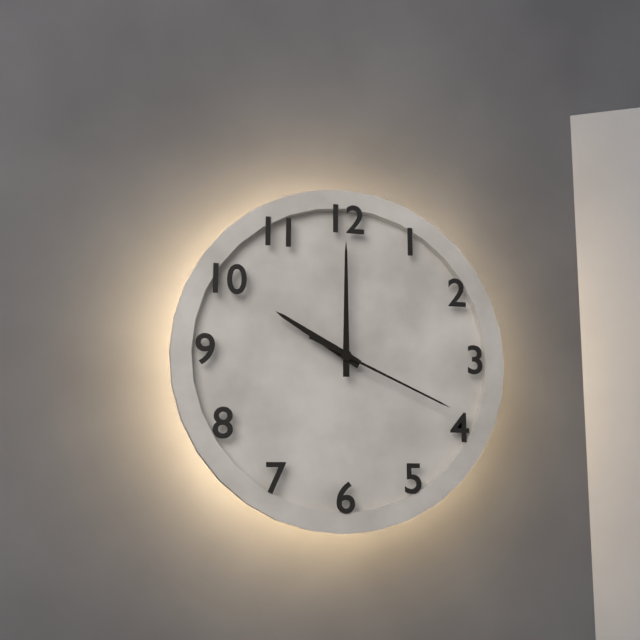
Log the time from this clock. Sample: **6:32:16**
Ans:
**10:00:19**
